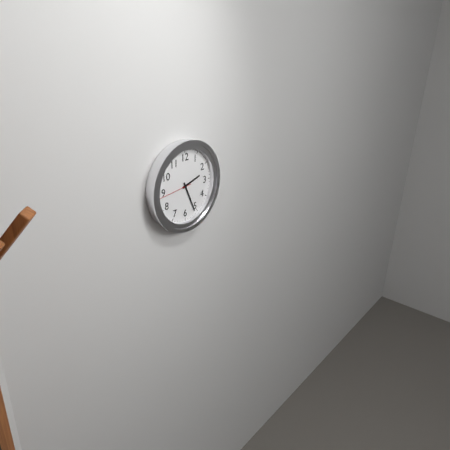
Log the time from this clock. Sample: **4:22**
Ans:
**2:26**
